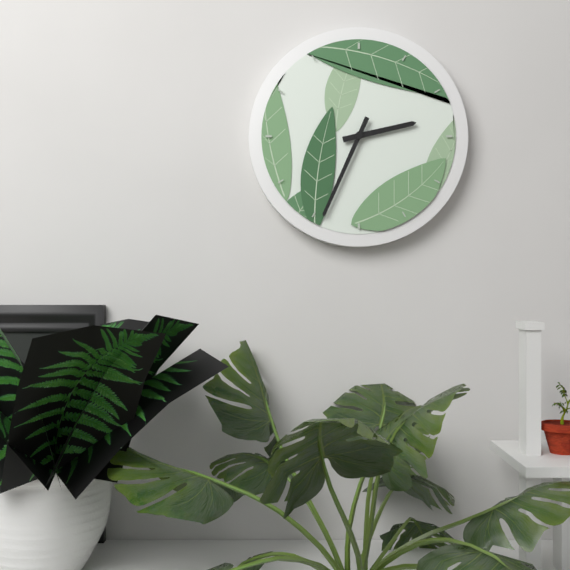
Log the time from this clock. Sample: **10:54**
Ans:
**2:34**
